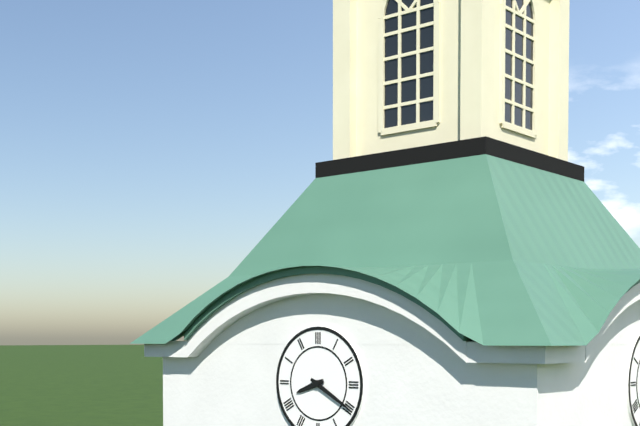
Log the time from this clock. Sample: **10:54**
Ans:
**8:20**
